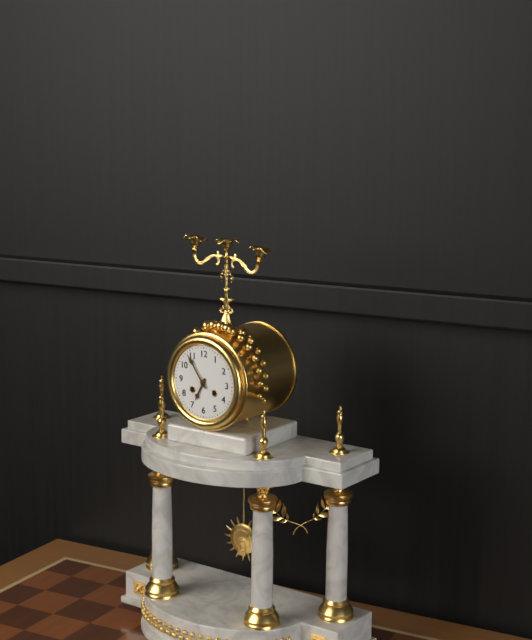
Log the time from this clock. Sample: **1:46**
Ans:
**6:54**
